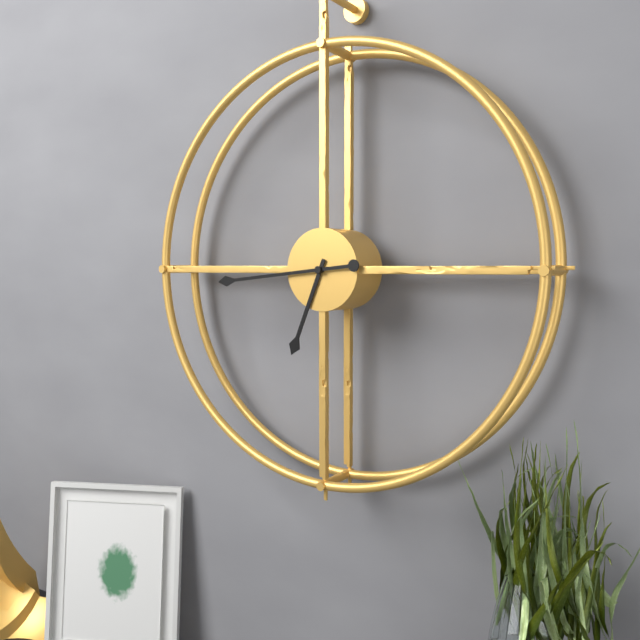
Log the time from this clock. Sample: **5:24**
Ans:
**6:44**
